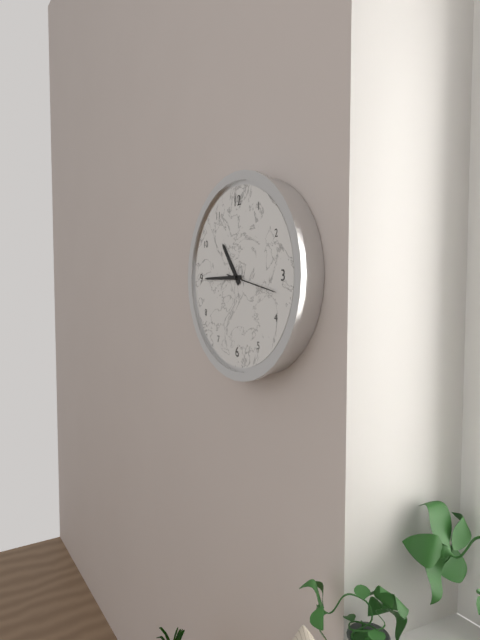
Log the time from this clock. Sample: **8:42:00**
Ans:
**10:45:17**
